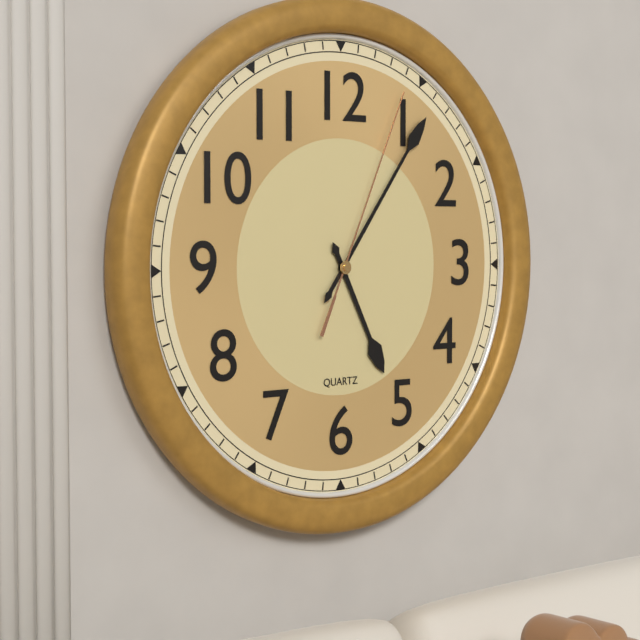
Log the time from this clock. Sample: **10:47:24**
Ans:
**5:06:04**
